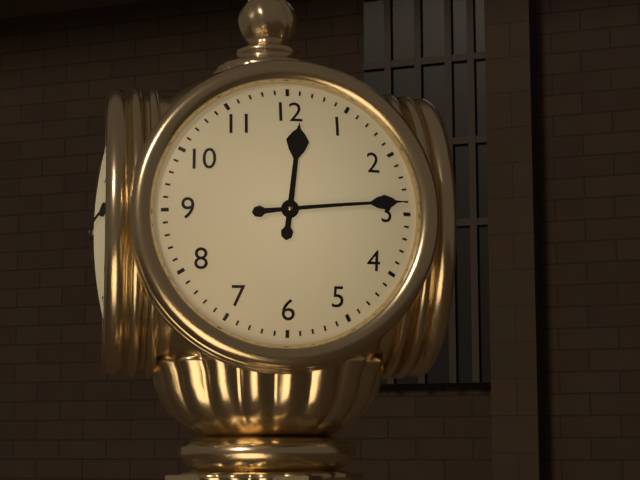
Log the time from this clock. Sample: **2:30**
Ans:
**12:14**
